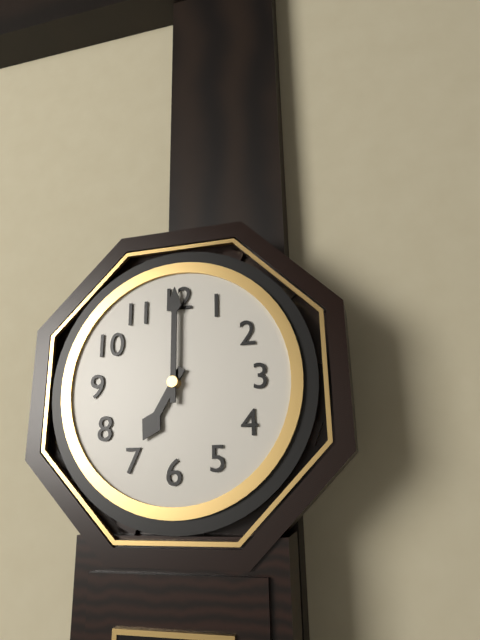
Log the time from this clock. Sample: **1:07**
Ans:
**7:00**
